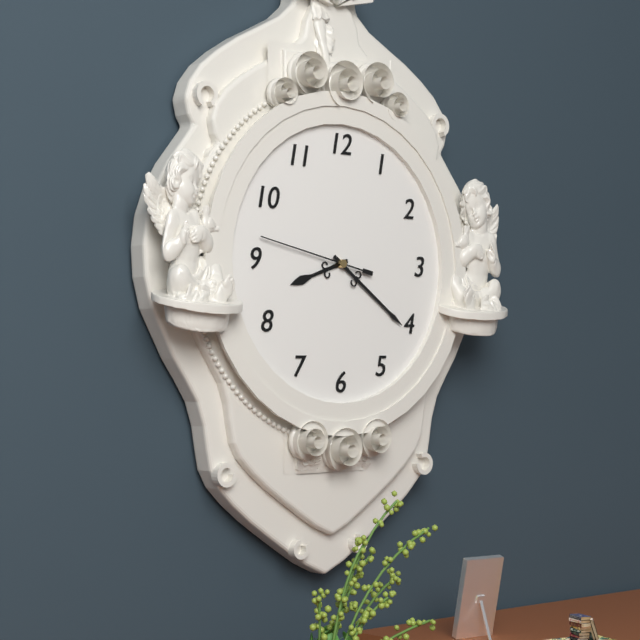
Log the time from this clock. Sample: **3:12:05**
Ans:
**8:21:47**
